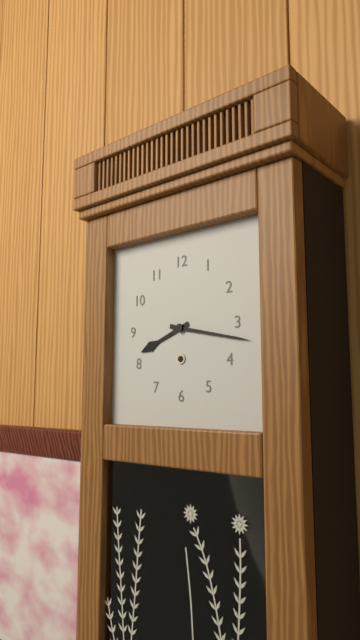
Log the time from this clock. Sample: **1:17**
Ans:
**8:17**
